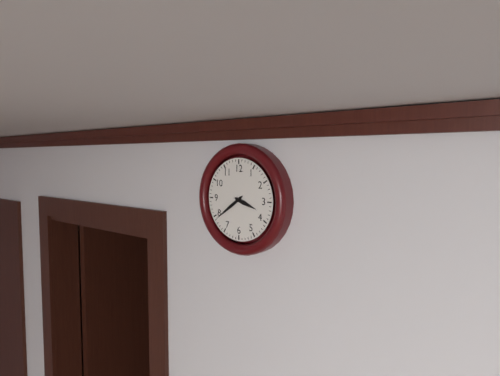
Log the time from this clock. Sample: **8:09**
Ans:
**3:39**
